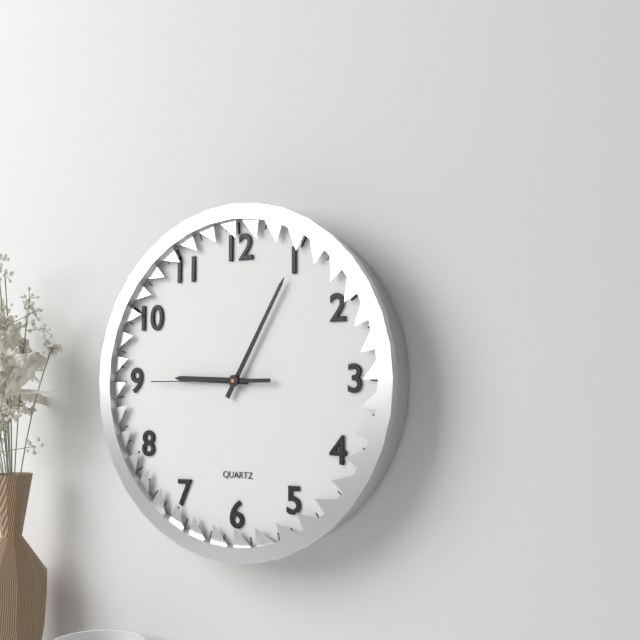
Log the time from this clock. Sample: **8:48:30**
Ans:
**9:05:45**
